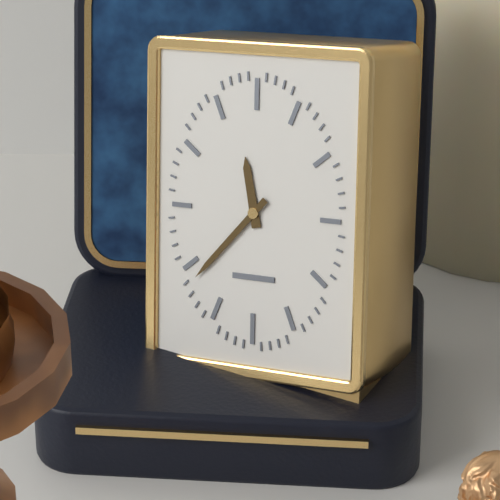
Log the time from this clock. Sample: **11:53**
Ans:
**11:37**
